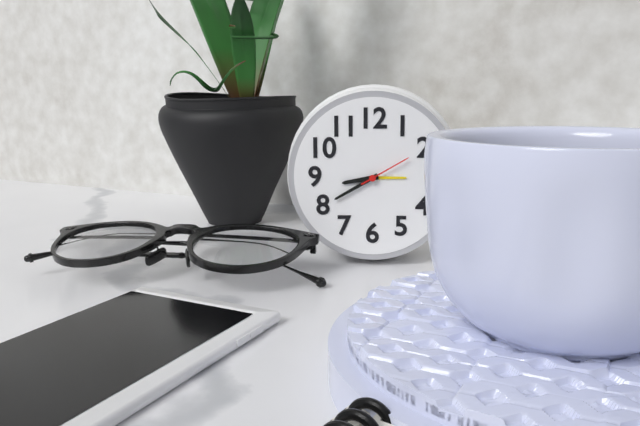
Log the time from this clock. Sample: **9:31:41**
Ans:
**8:40:10**
